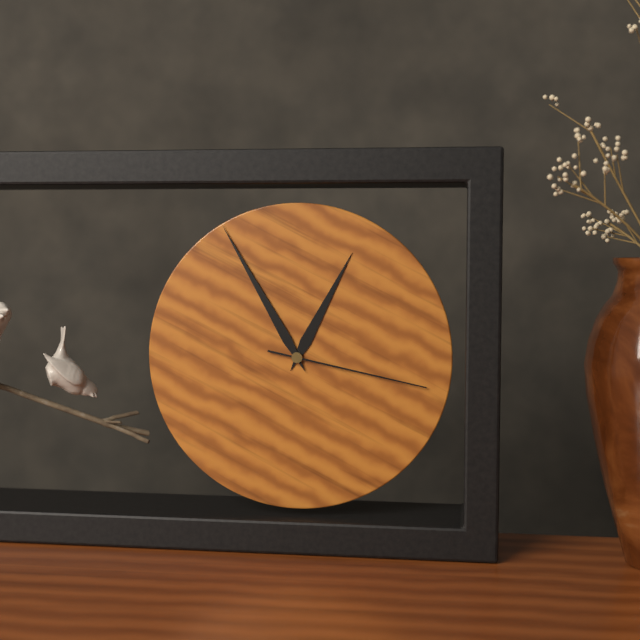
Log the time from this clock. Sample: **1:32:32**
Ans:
**12:55:17**
